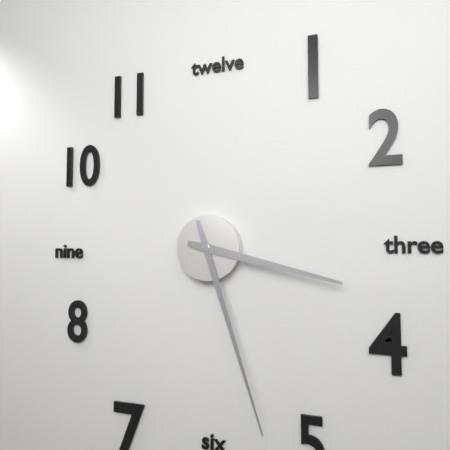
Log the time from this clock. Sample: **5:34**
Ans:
**3:27**
